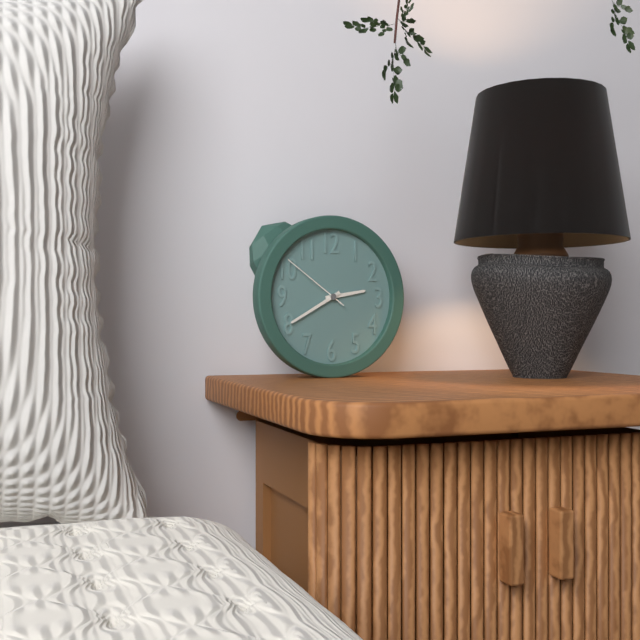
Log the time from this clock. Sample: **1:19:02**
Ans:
**2:40:51**
